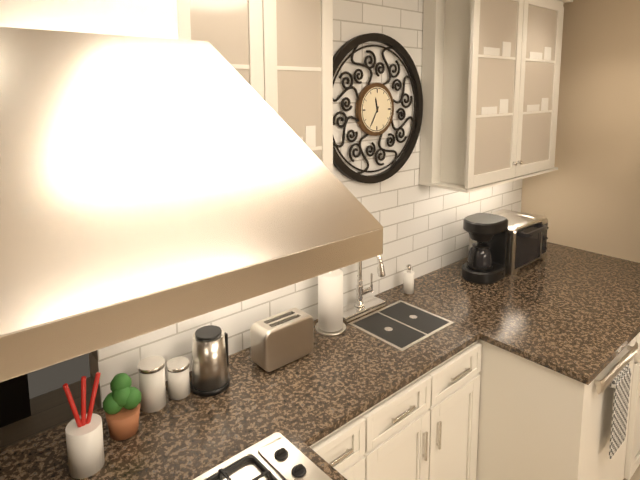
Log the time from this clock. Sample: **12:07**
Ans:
**11:35**
